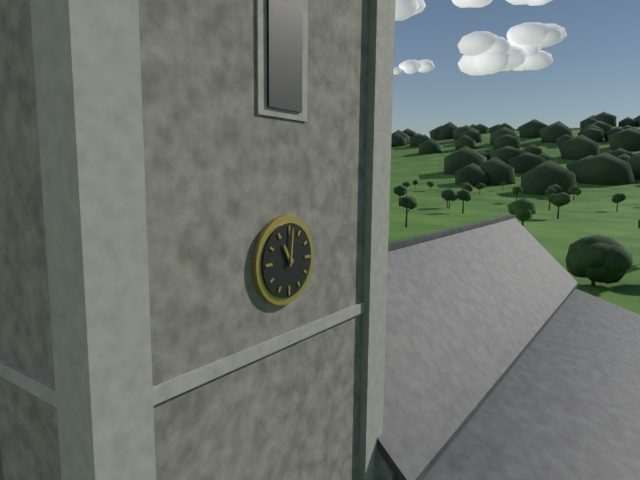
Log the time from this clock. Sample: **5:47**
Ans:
**11:01**
